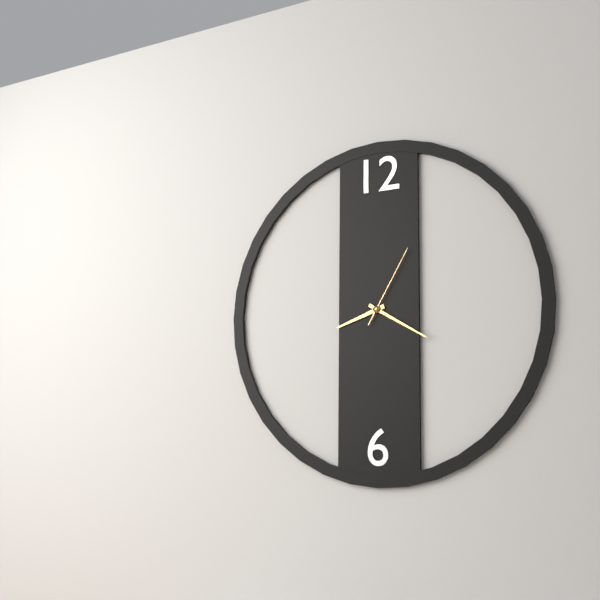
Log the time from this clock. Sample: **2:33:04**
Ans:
**8:20:05**
